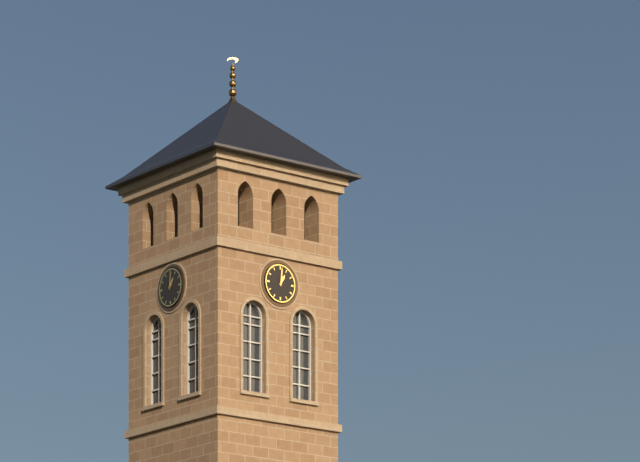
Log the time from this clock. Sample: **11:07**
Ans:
**1:01**
